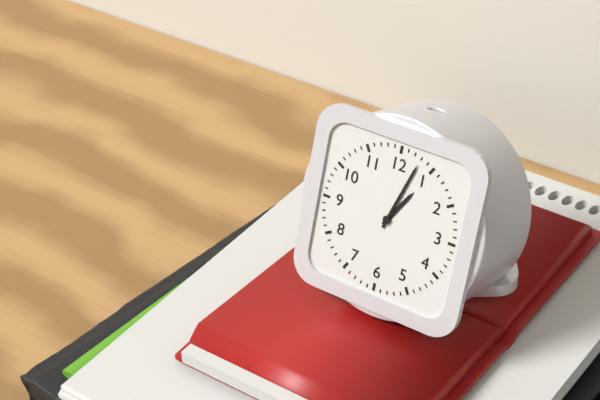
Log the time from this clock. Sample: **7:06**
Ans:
**1:03**
